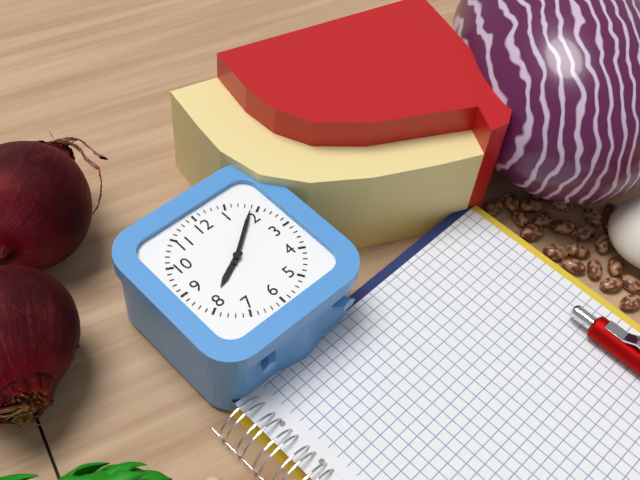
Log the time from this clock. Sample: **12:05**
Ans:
**8:09**
